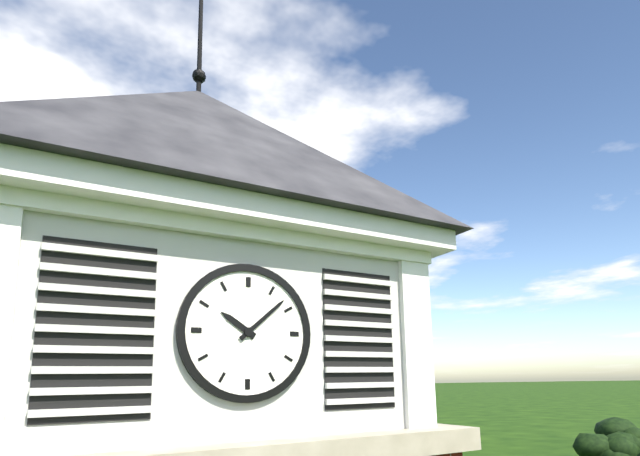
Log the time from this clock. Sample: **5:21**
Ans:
**10:08**
